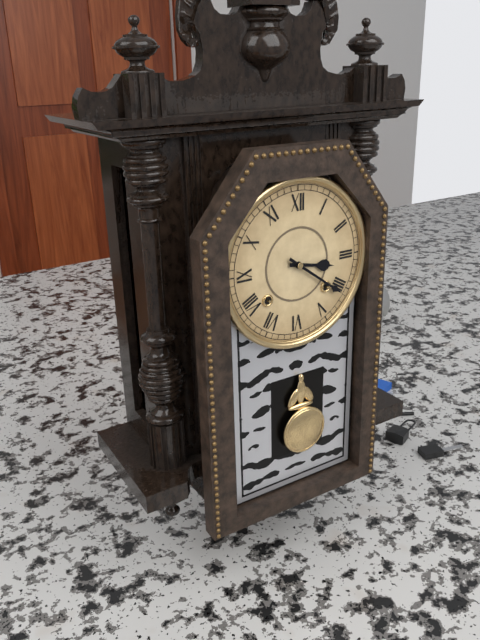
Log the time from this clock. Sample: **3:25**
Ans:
**3:21**
